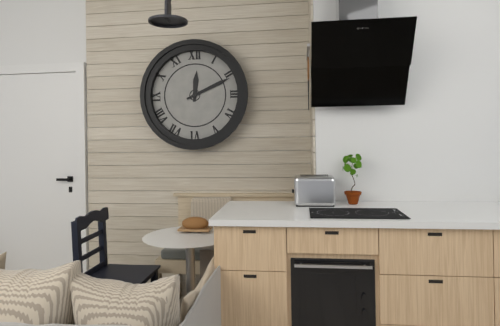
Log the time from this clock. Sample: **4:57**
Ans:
**12:11**
